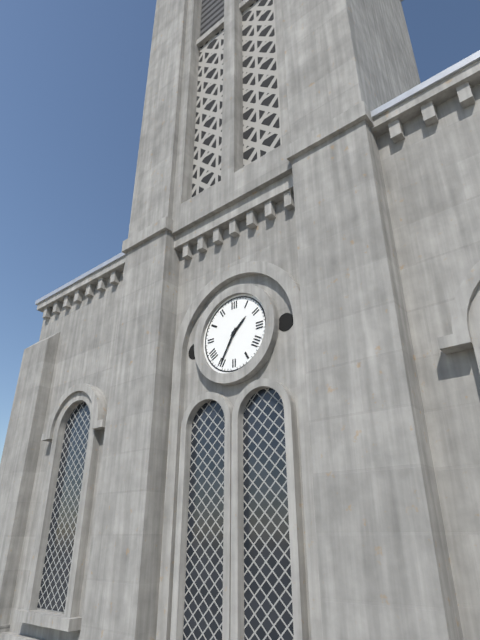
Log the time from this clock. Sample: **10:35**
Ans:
**1:35**
